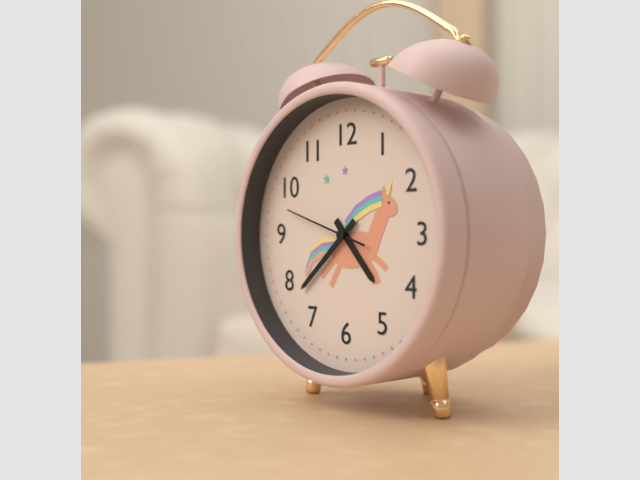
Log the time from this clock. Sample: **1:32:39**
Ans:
**4:38:48**
